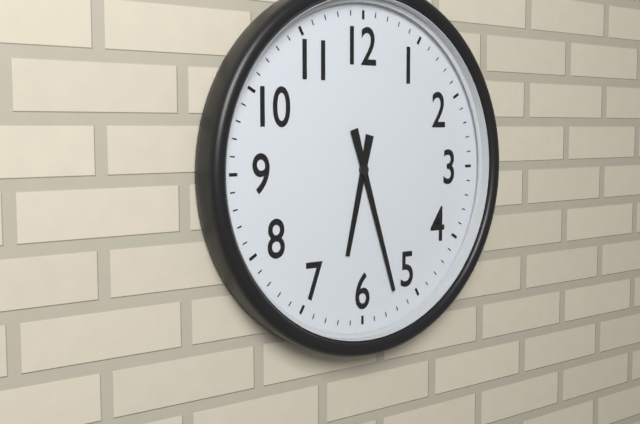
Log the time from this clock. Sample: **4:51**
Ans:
**6:27**
